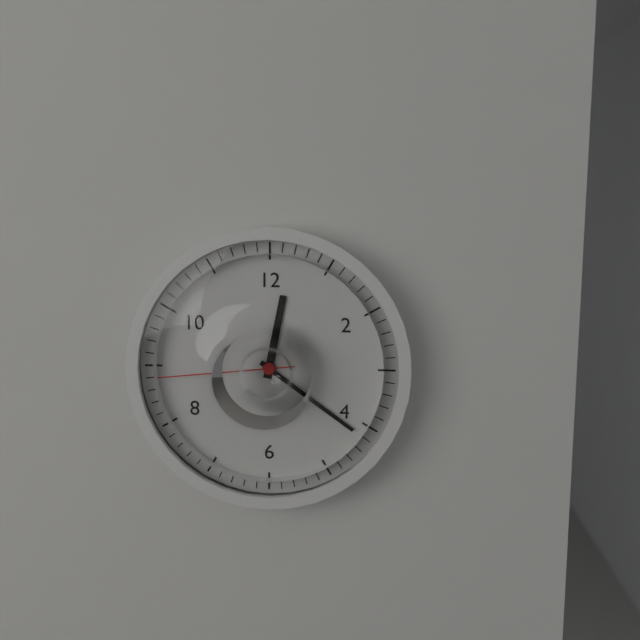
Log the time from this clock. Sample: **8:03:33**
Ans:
**12:21:44**
